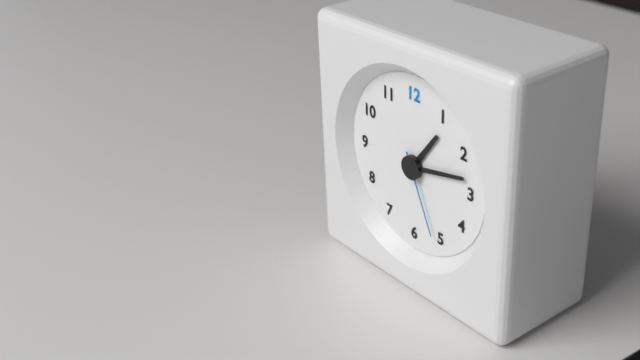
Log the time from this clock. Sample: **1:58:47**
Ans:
**1:13:26**
